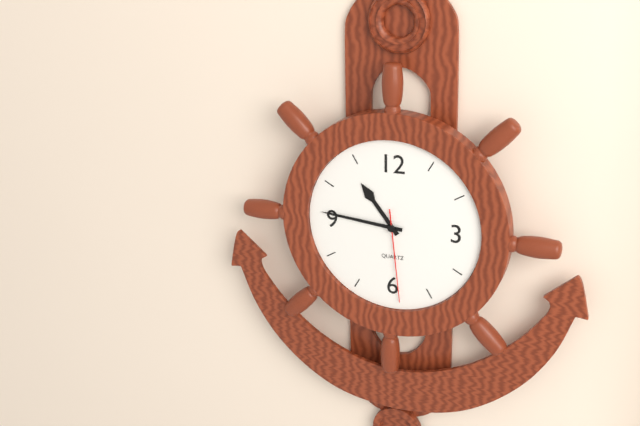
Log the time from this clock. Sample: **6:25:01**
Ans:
**10:46:29**
